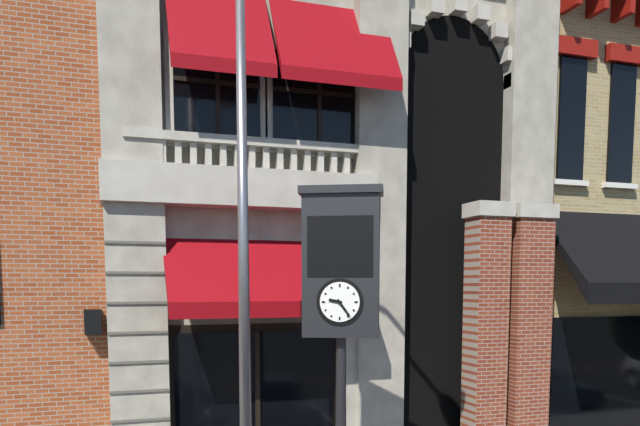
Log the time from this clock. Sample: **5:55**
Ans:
**9:24**
